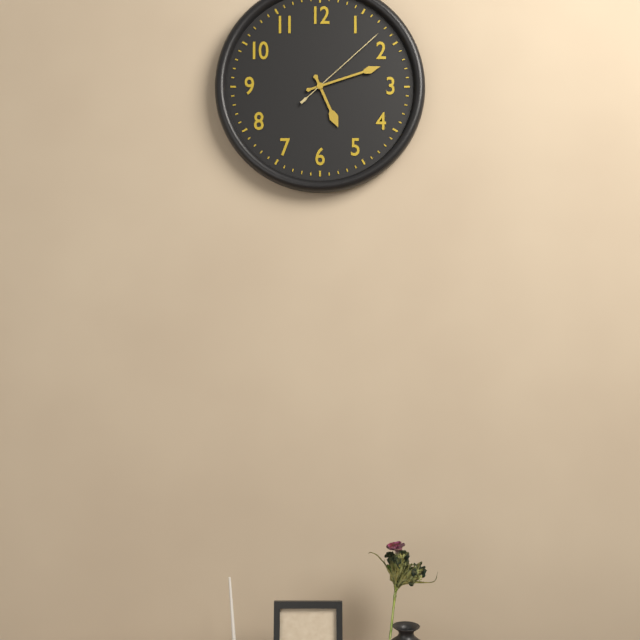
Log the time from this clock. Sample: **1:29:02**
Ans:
**5:12:08**
